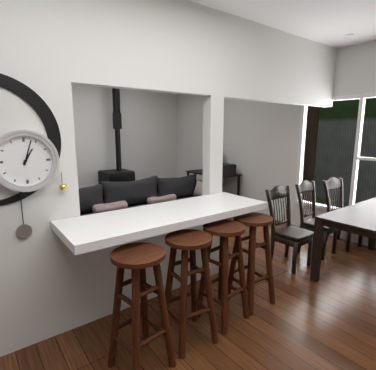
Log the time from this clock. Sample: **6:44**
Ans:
**1:03**
